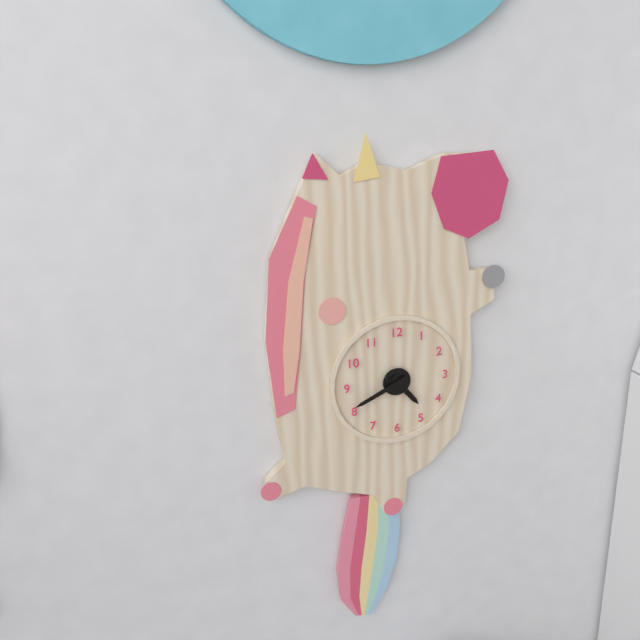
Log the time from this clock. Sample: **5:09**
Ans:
**4:41**
